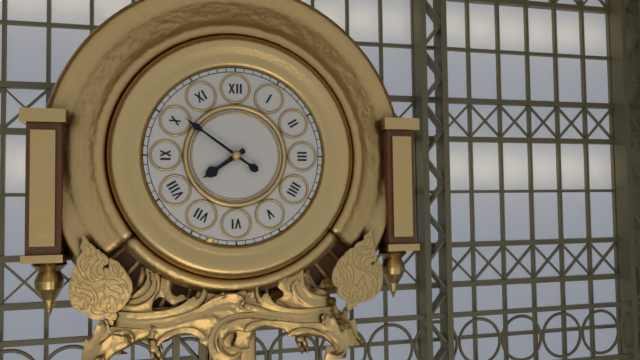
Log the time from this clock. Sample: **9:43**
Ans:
**7:51**
